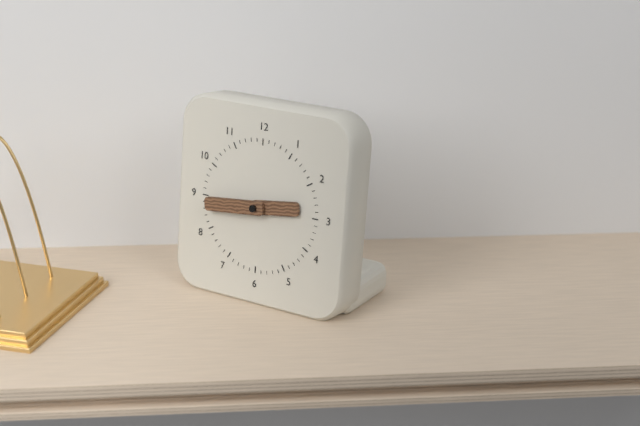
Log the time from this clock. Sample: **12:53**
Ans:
**2:44**
